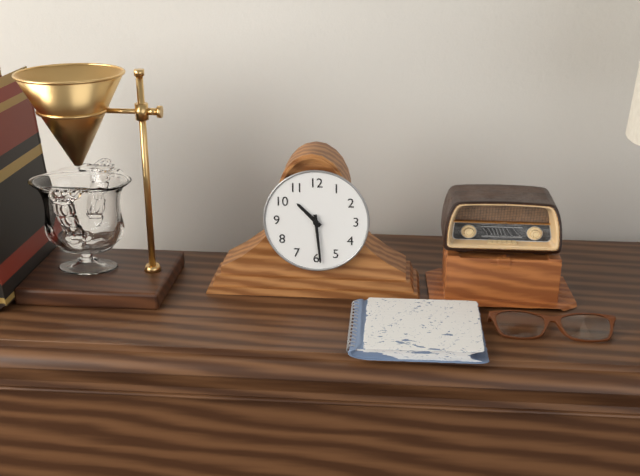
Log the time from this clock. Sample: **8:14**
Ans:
**10:29**
